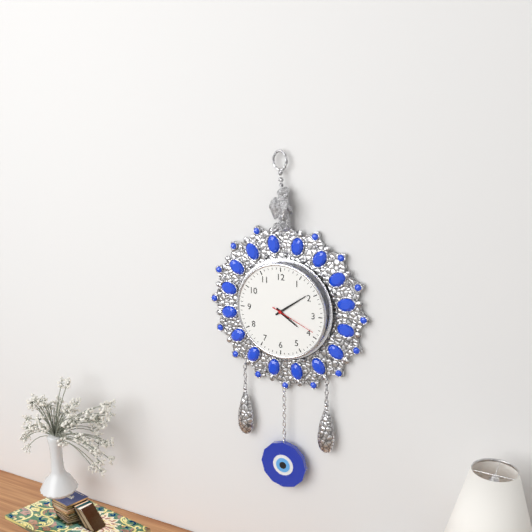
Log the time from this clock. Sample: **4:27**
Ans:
**4:09**
